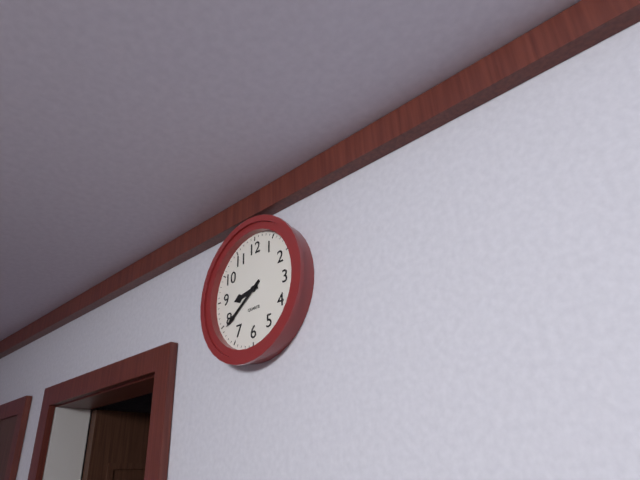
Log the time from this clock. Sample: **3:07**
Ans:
**8:39**
